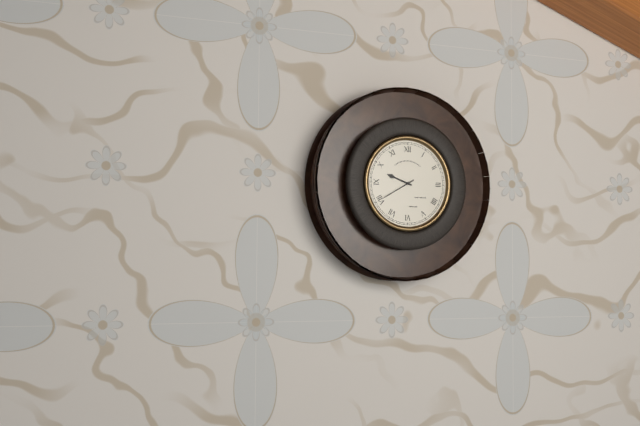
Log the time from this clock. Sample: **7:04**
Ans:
**9:40**
